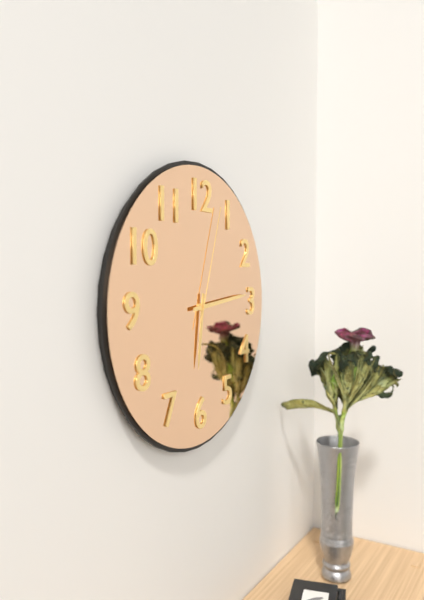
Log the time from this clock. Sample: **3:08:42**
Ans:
**6:14:03**
